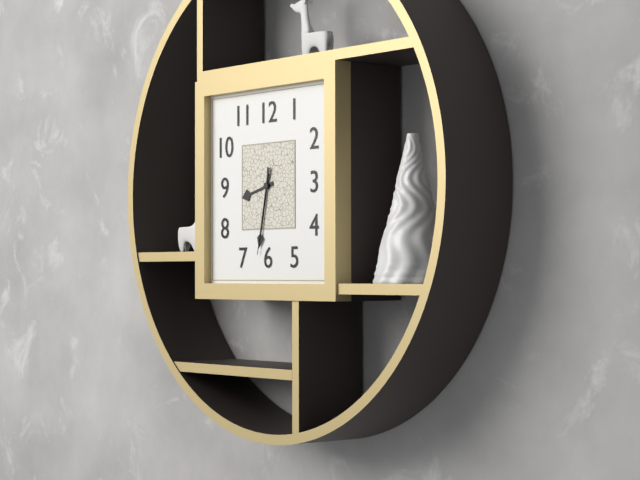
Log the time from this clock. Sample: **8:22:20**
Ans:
**8:32:32**
